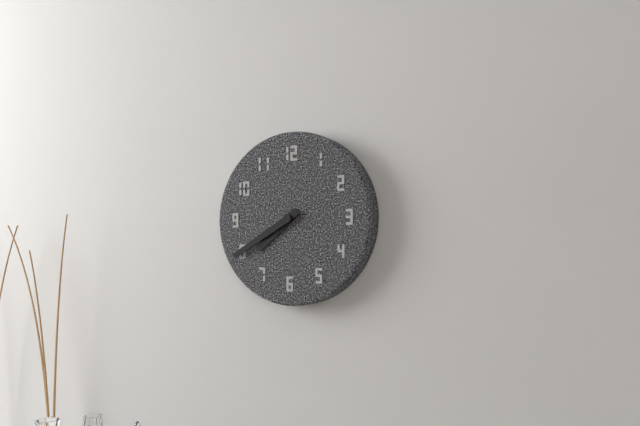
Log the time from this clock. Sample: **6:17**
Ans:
**7:40**
